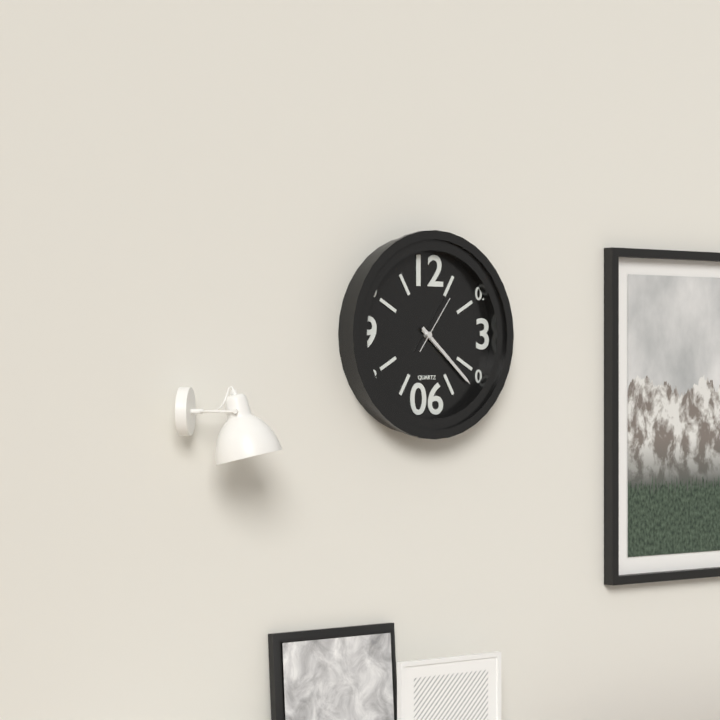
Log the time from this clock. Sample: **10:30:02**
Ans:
**4:22:06**
